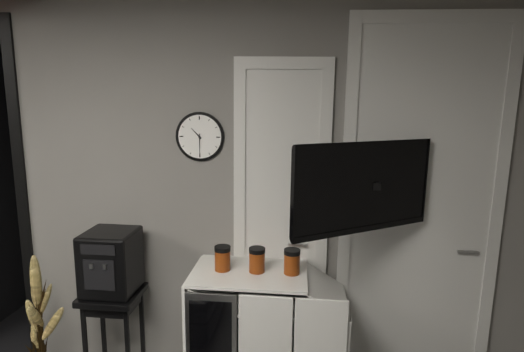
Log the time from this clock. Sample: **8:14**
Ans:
**10:30**
